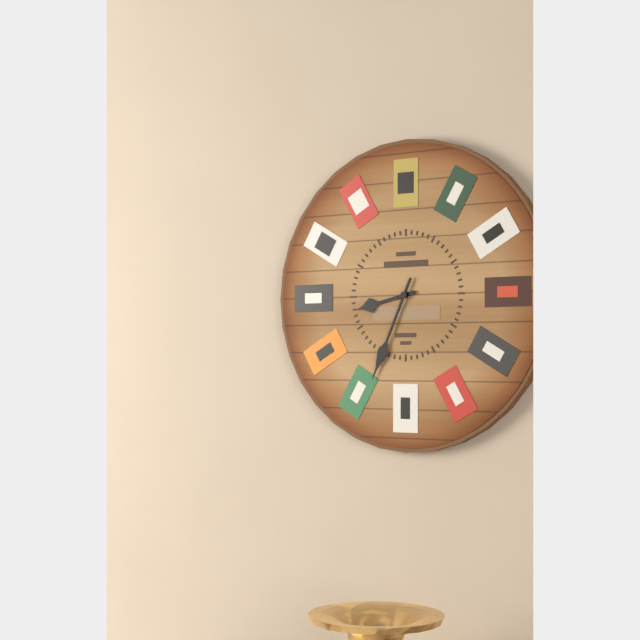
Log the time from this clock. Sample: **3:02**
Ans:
**8:34**
